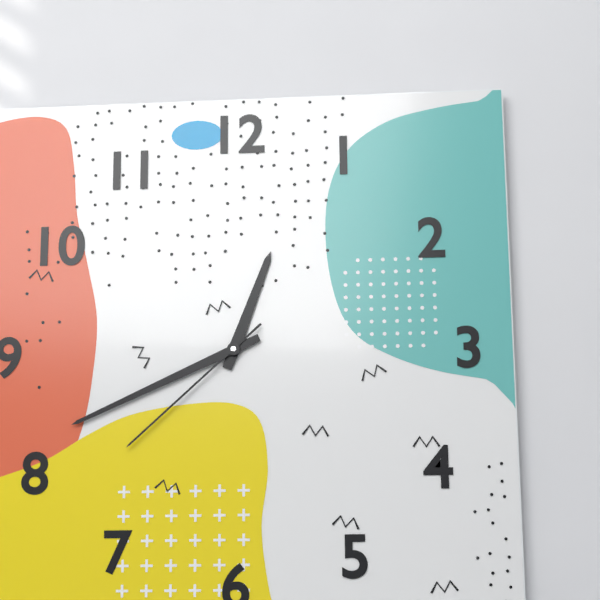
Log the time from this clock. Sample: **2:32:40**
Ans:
**12:41:38**
